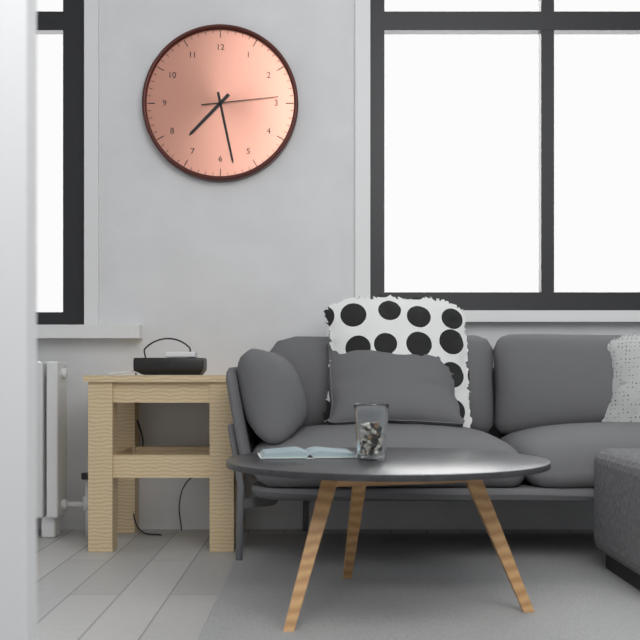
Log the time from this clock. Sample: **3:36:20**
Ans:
**7:28:14**
